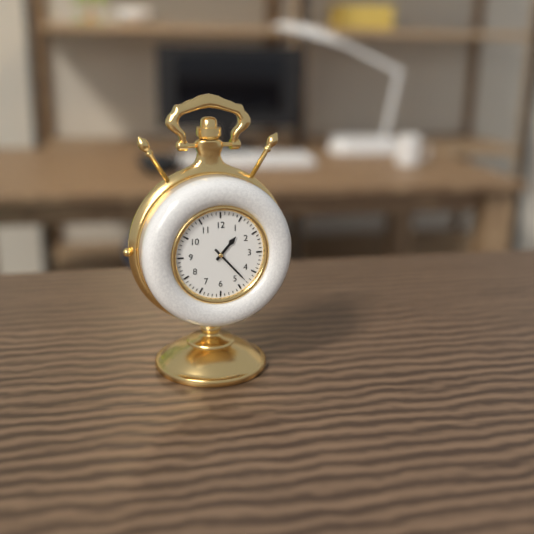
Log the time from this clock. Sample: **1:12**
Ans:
**1:23**
